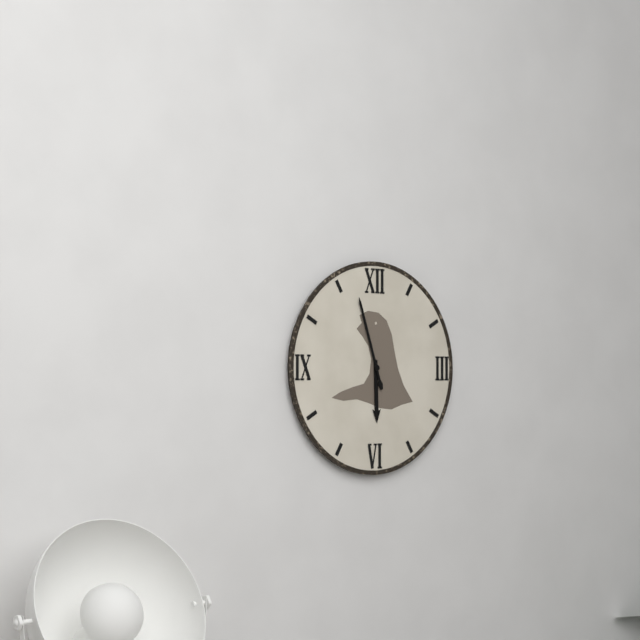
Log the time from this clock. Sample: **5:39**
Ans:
**5:57**
